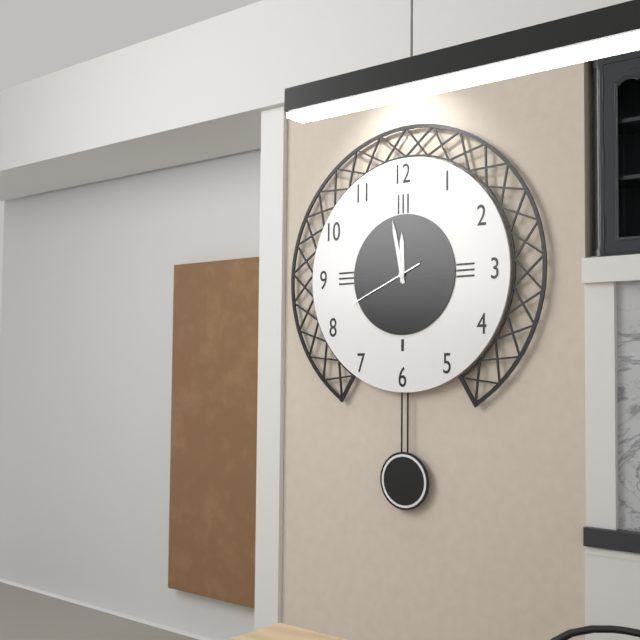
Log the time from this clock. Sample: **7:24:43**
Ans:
**11:58:41**
